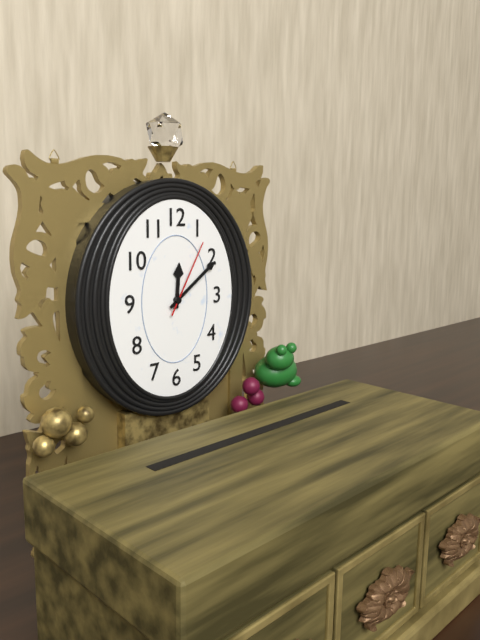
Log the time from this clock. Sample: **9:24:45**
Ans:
**12:09:05**
